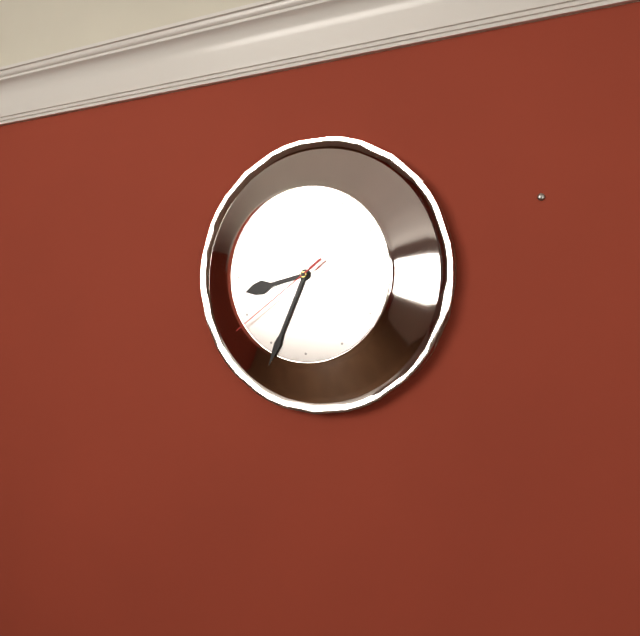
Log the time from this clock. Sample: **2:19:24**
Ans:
**8:34:39**
